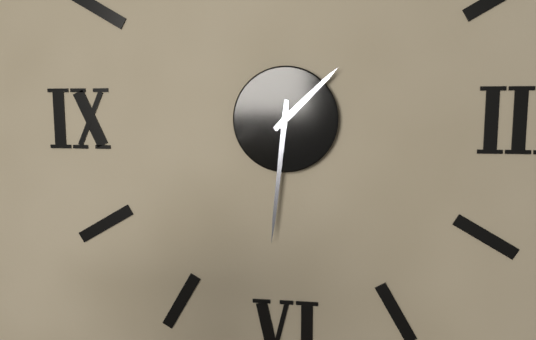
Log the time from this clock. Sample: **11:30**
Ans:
**1:31**
